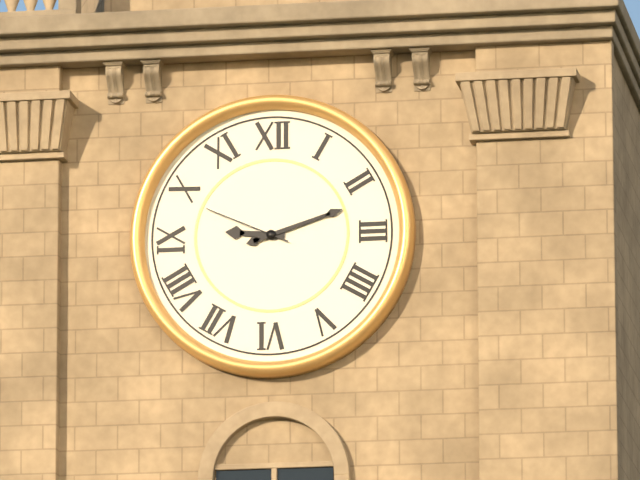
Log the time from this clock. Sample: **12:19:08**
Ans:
**9:12:49**
